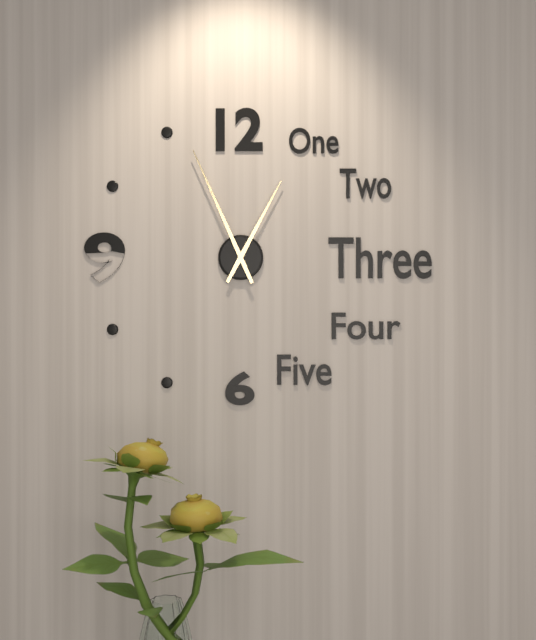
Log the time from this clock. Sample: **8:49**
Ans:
**12:56**
